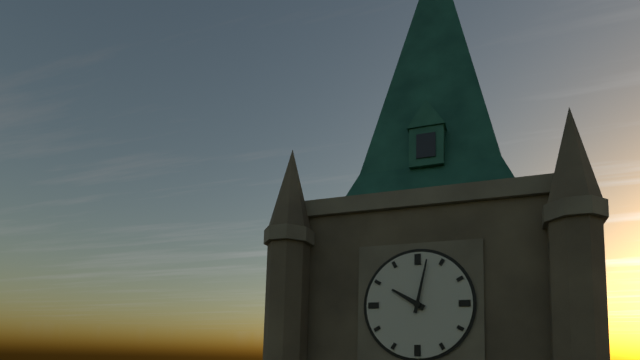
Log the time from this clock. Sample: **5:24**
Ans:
**10:02**
